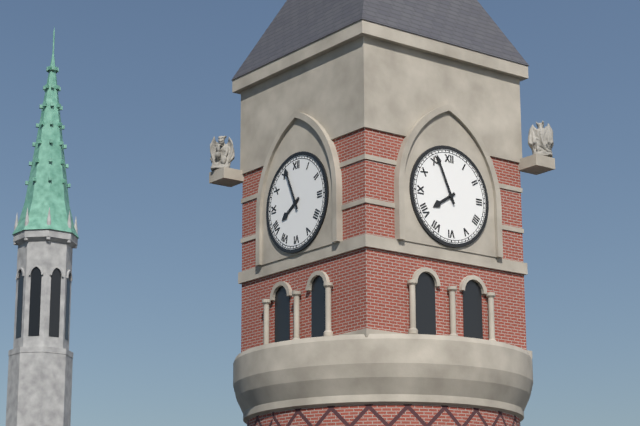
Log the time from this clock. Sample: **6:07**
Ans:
**7:56**
